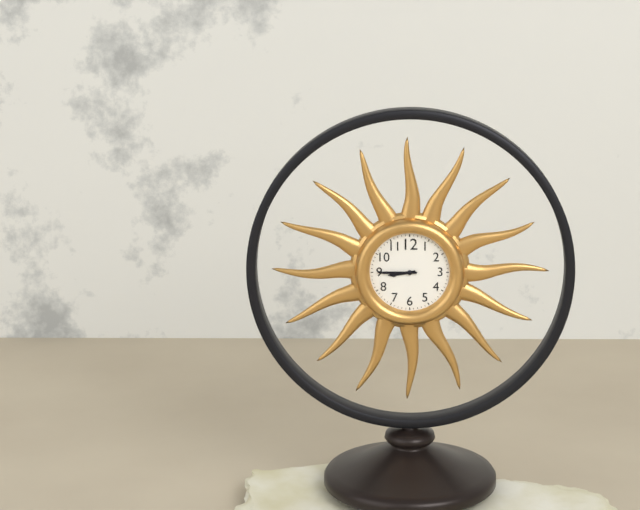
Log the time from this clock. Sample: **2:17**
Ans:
**8:45**
